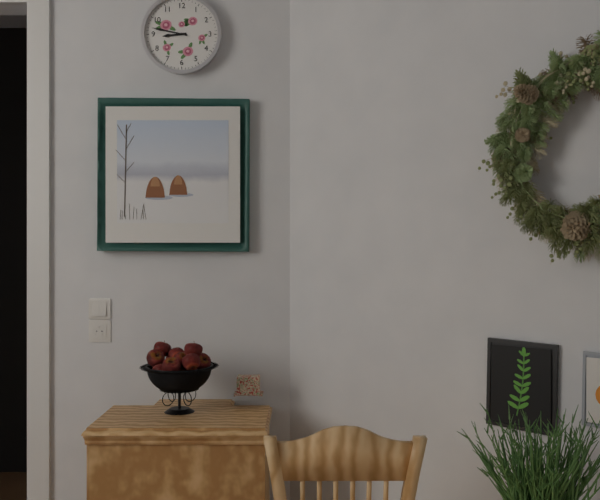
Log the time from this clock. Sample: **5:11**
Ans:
**8:47**
